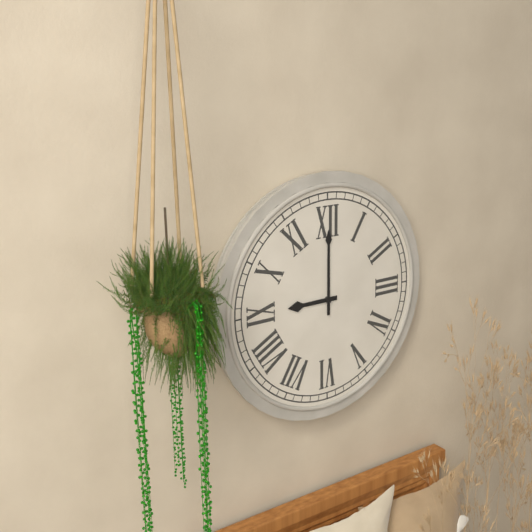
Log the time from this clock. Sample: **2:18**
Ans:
**9:00**
